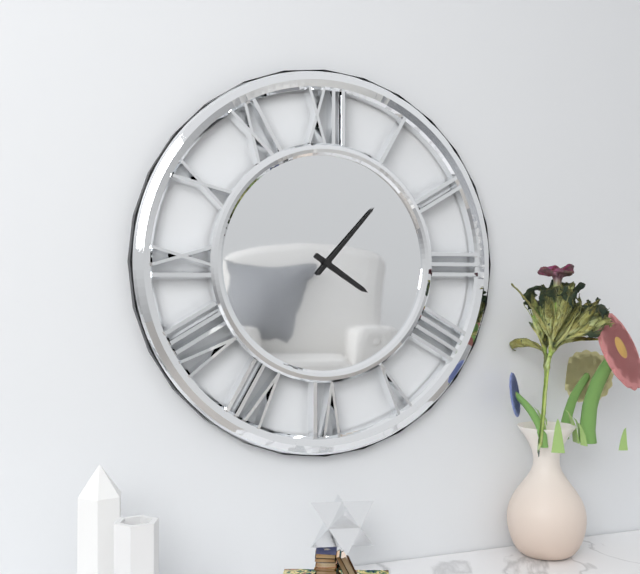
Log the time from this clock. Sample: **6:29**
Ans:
**4:07**
